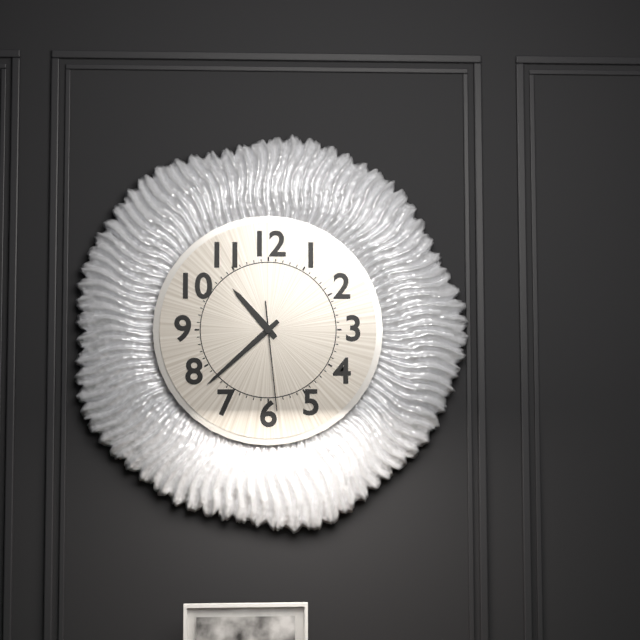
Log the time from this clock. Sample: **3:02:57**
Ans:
**10:38:29**
